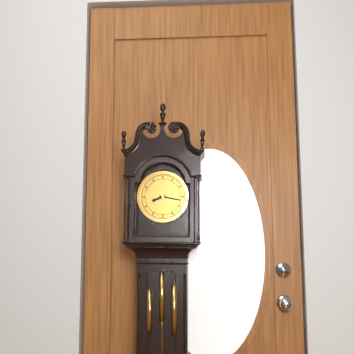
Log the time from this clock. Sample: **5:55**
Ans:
**8:17**
